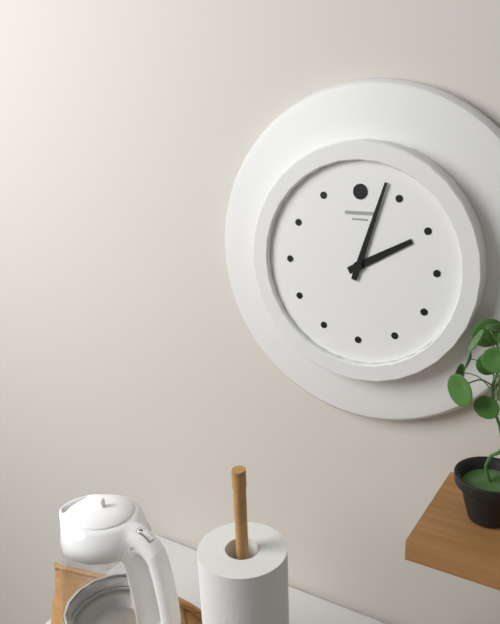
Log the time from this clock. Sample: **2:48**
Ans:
**2:03**
